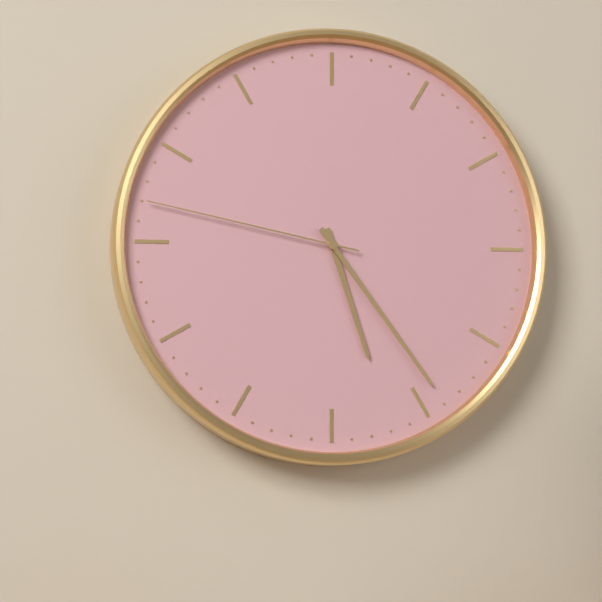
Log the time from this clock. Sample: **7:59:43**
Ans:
**5:24:47**
